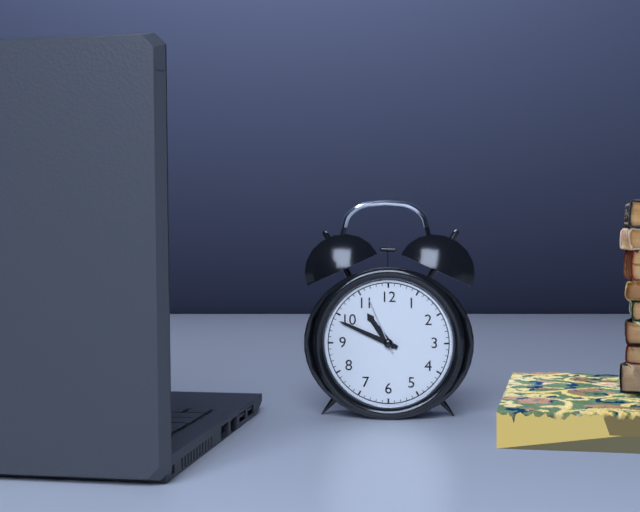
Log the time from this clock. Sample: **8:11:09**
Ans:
**10:49:56**
